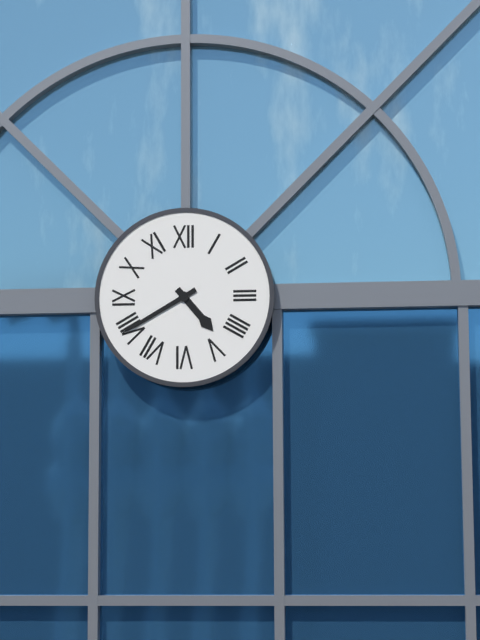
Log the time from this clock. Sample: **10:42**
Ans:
**4:40**
